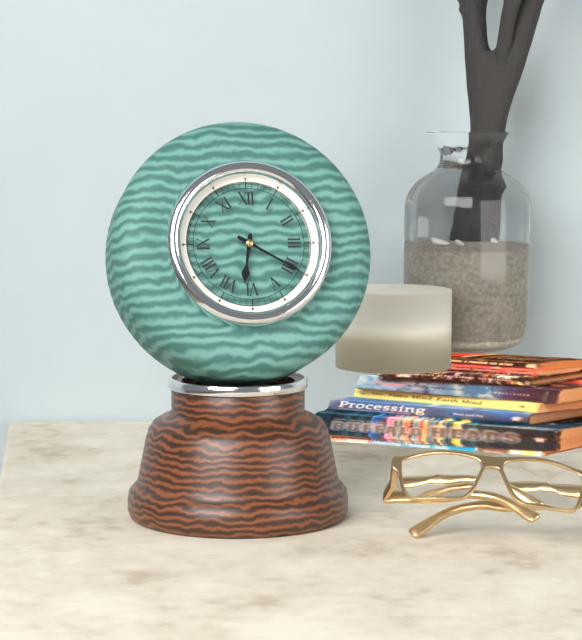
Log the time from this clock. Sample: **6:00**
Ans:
**6:20**
